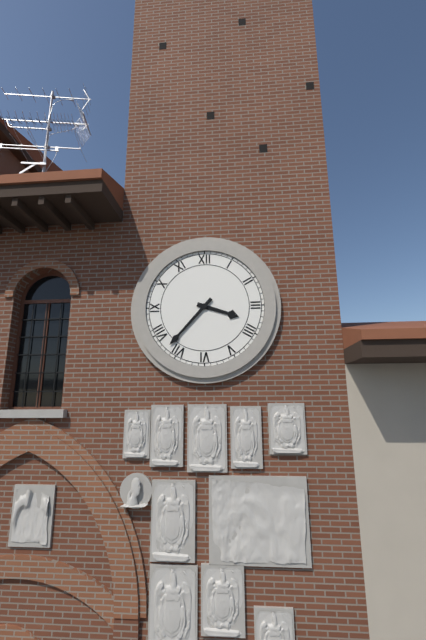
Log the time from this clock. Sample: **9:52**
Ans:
**3:37**
